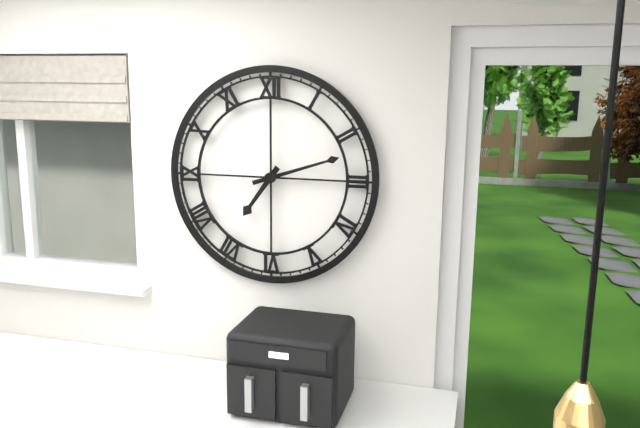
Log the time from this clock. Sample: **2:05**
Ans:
**7:12**
